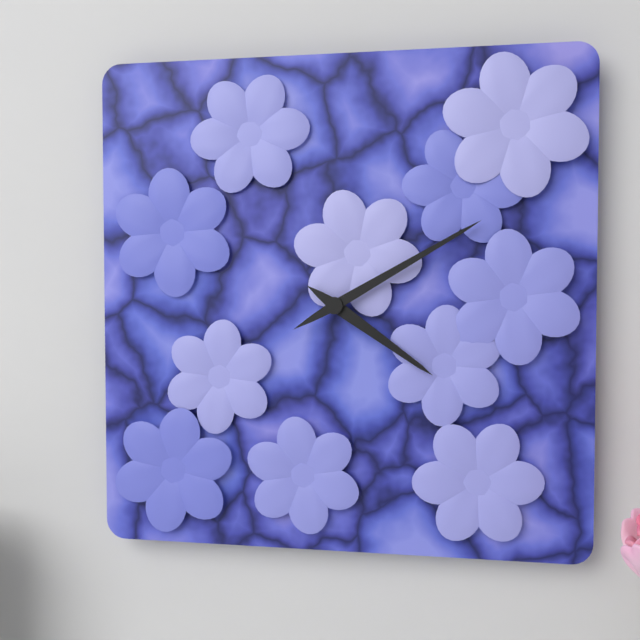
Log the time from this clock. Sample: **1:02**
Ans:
**4:10**
